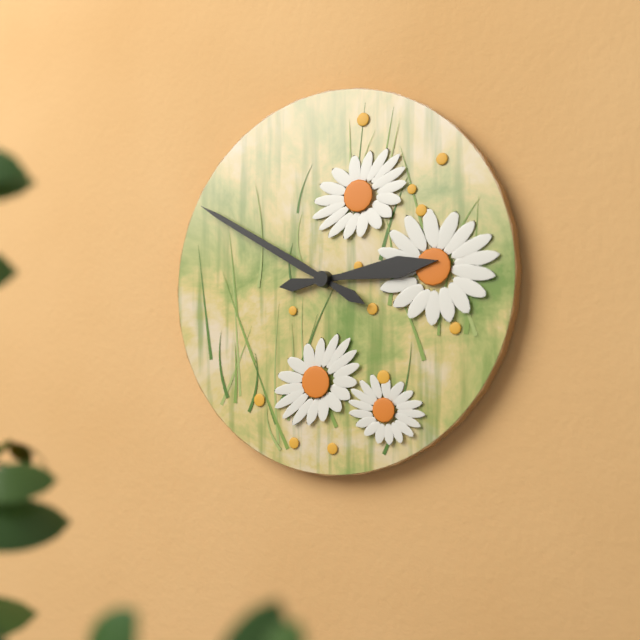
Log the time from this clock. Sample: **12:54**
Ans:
**2:50**
